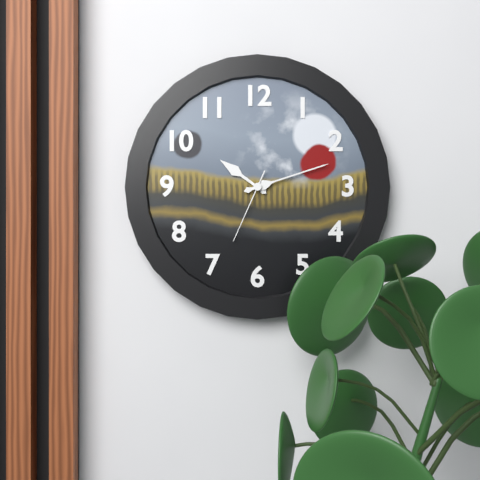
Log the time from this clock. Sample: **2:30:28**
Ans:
**10:12:34**
